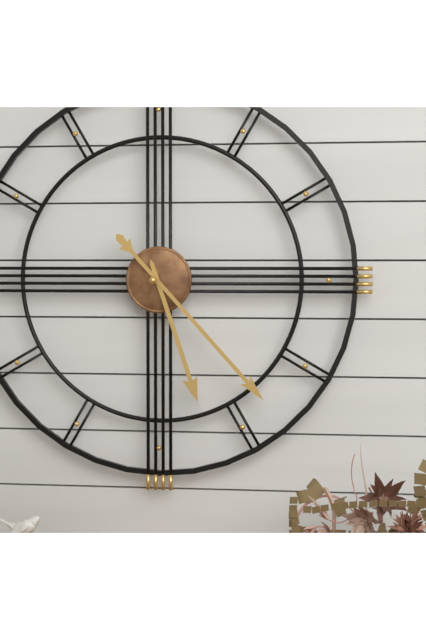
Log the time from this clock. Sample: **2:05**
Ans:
**5:23**
